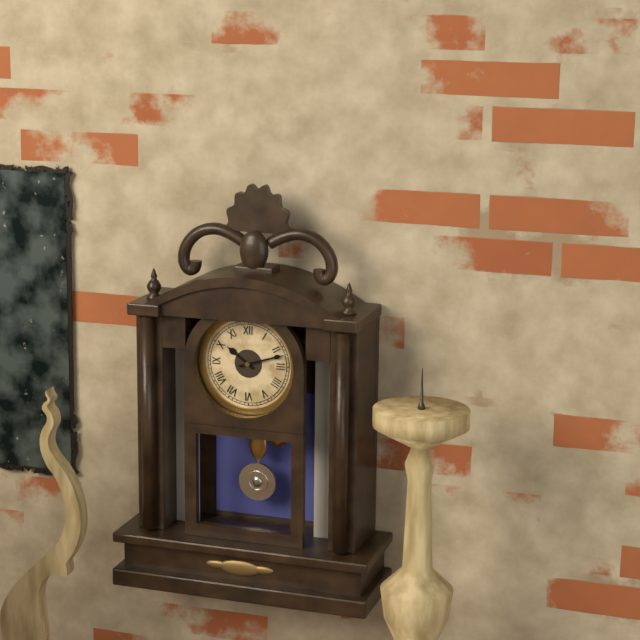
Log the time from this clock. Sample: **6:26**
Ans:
**10:12**
